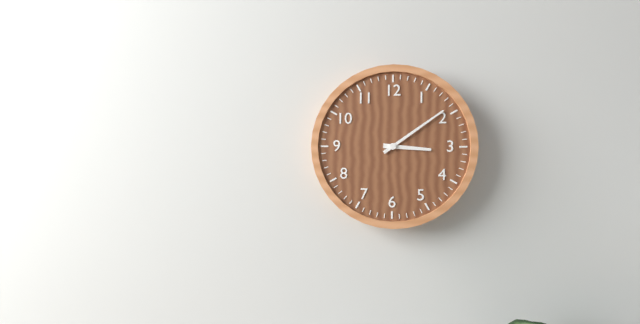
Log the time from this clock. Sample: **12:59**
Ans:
**3:09**
